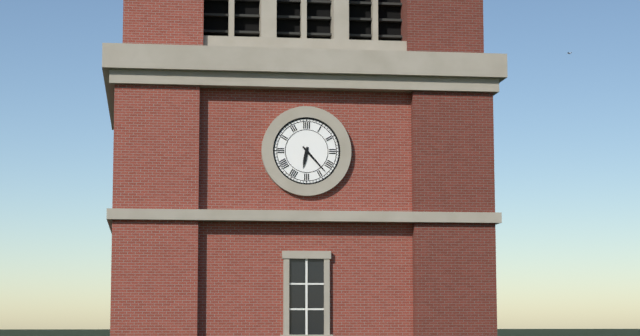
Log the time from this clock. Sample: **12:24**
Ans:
**6:23**
